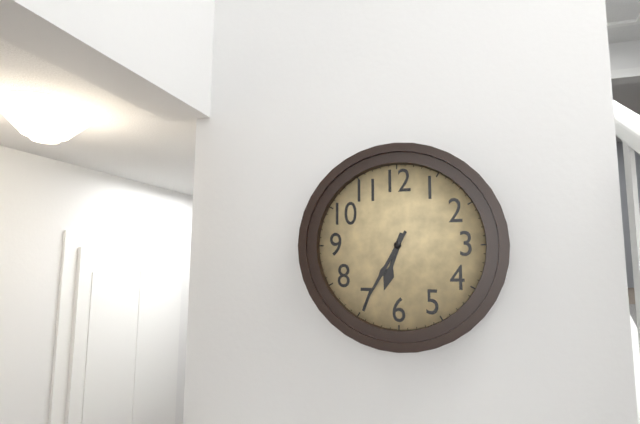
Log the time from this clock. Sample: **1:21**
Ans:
**6:35**
